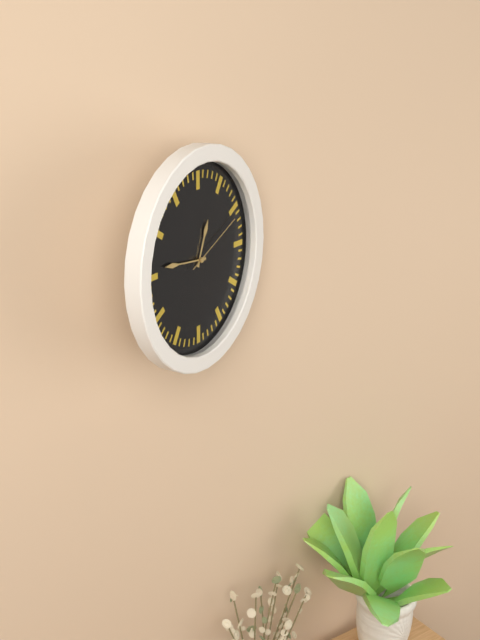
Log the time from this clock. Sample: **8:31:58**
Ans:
**12:46:11**
